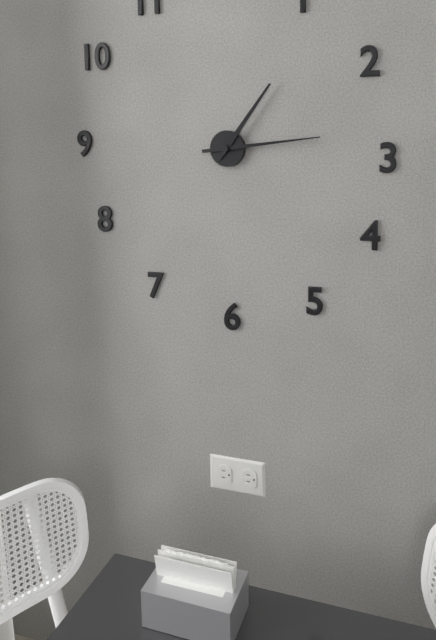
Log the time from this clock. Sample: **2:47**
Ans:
**1:14**
